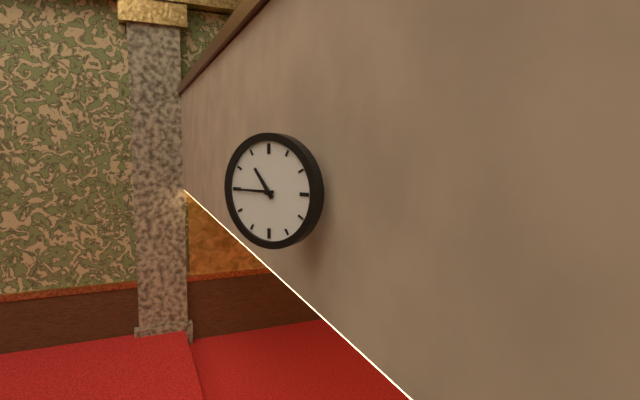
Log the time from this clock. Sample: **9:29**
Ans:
**10:45**
